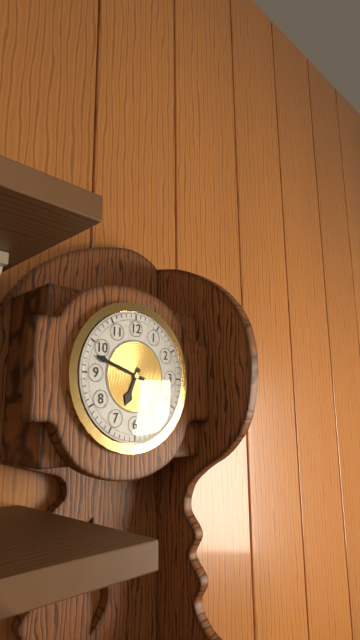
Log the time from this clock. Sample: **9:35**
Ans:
**6:48**
